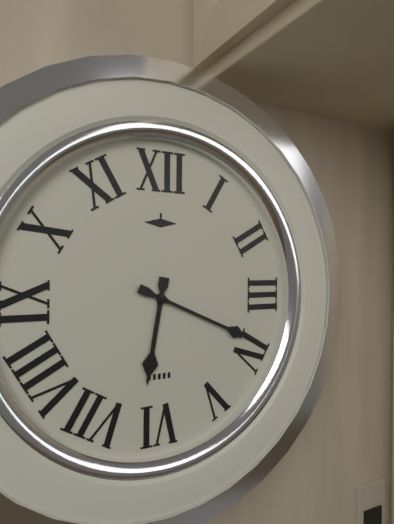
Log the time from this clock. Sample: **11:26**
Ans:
**6:19**
